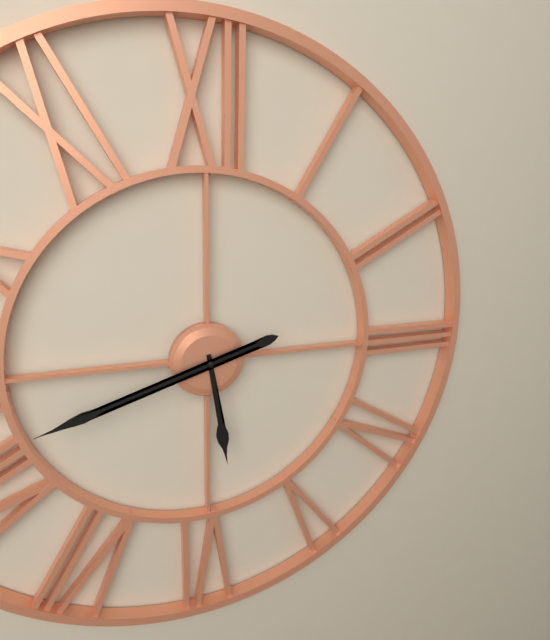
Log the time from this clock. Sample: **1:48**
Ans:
**5:42**
